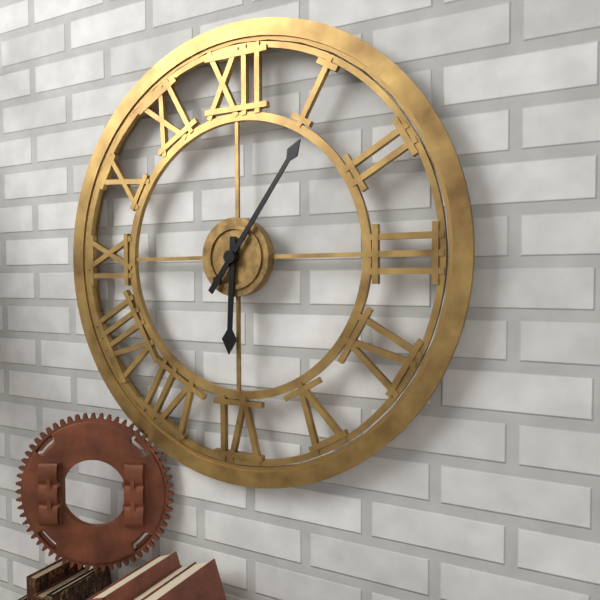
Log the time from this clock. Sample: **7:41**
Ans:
**6:06**
